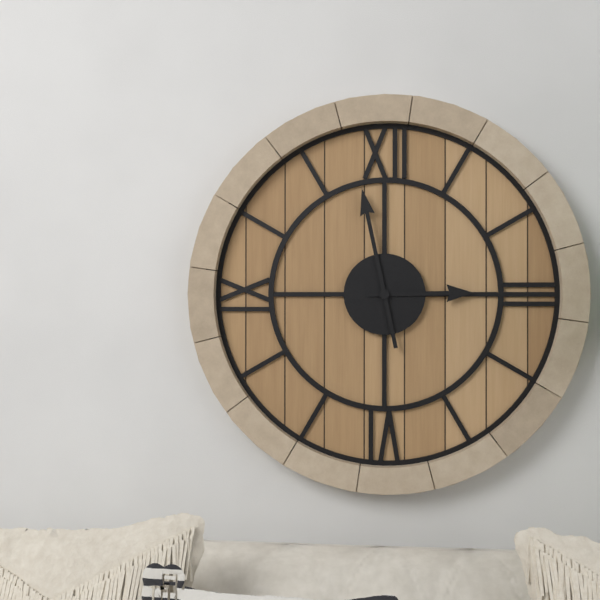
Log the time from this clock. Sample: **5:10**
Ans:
**2:58**
